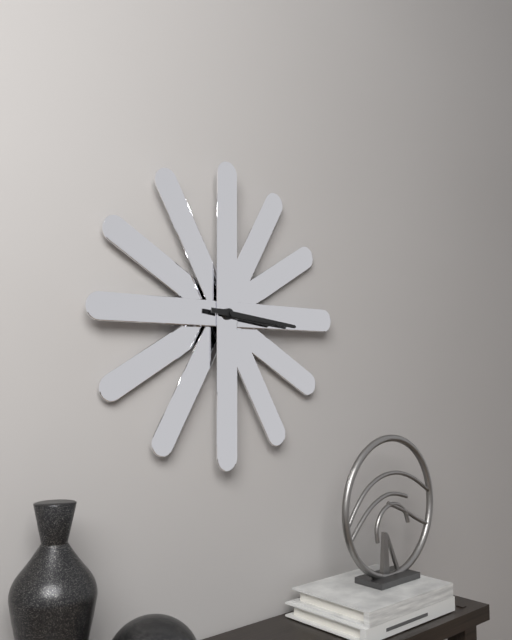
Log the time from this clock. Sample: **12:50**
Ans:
**3:16**
